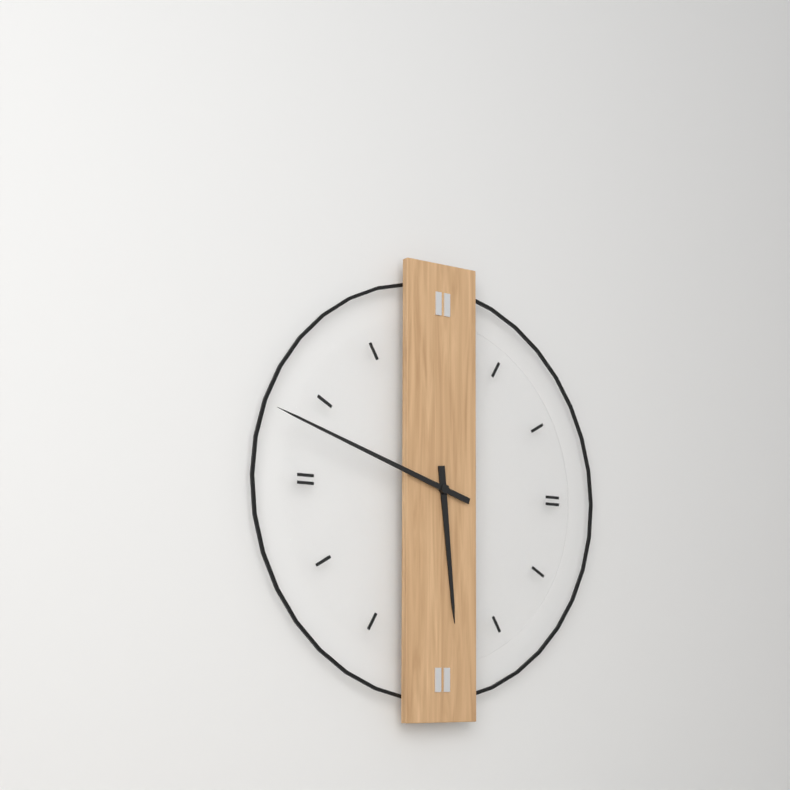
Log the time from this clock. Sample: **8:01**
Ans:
**5:48**
